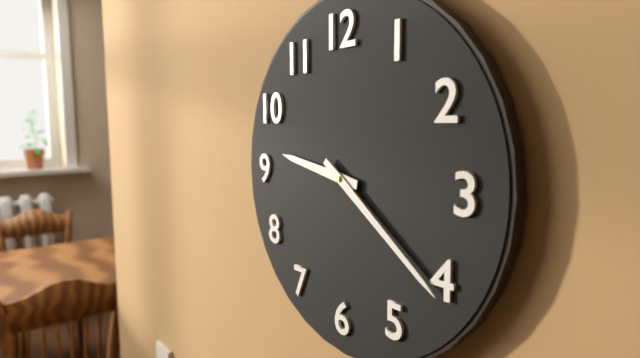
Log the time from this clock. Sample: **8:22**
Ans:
**9:21**
